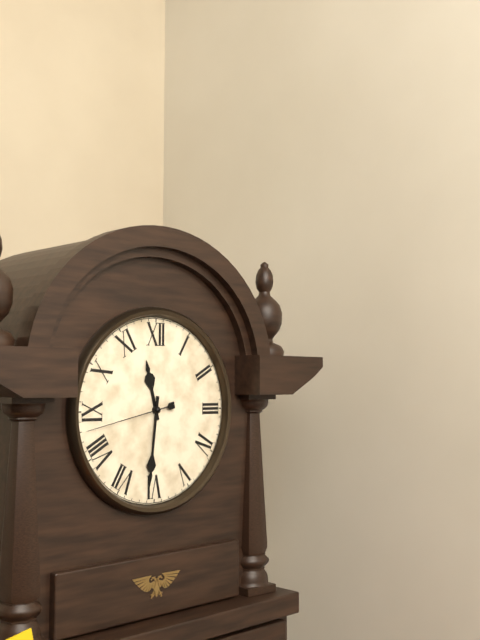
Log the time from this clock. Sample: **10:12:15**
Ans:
**11:31:43**
